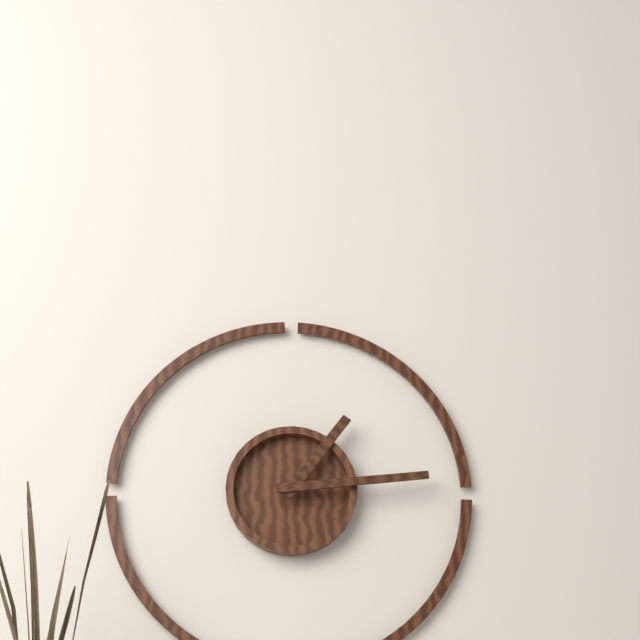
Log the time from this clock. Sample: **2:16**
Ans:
**1:14**
